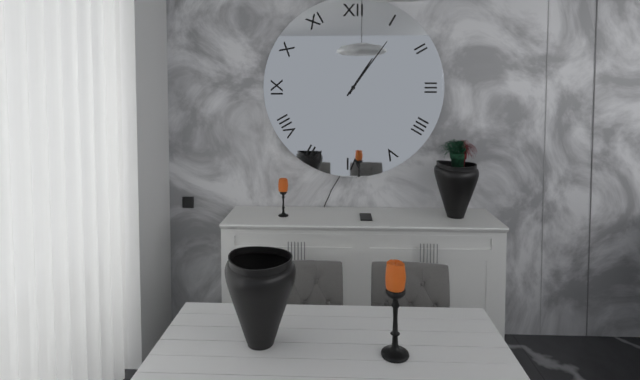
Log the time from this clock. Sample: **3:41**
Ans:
**1:06**
